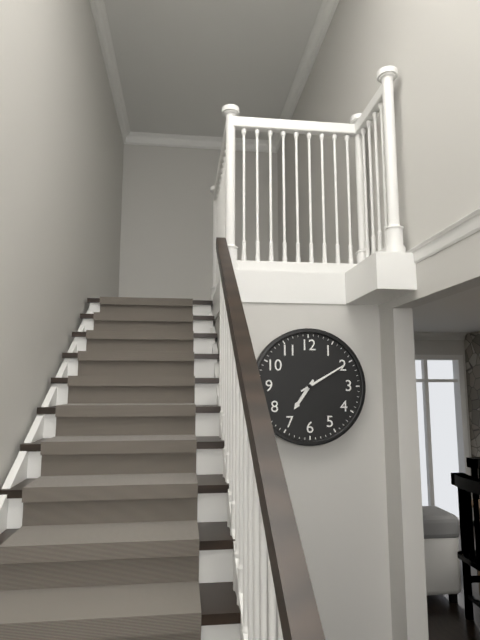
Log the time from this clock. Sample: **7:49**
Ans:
**7:10**
